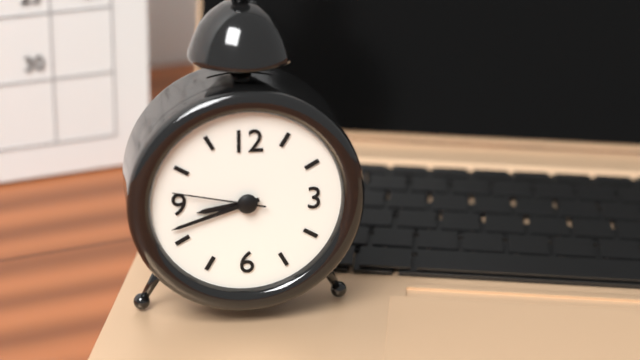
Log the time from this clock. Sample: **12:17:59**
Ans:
**8:42:47**
